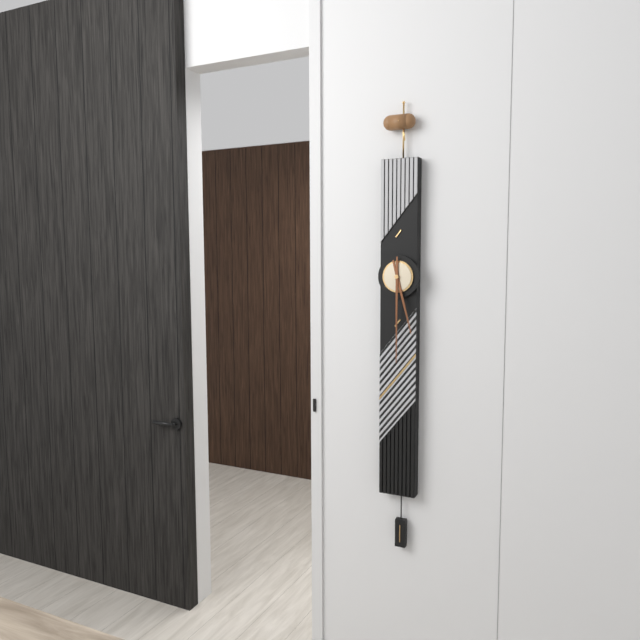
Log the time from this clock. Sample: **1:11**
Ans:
**5:30**
